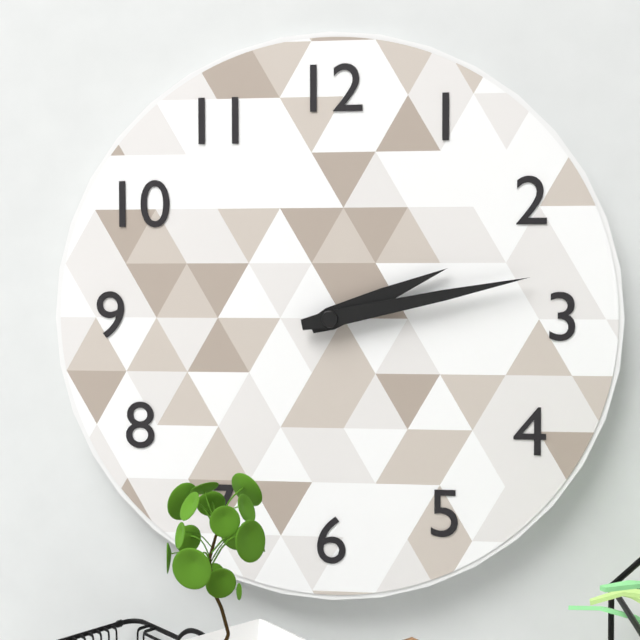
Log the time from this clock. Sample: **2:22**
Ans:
**2:13**
